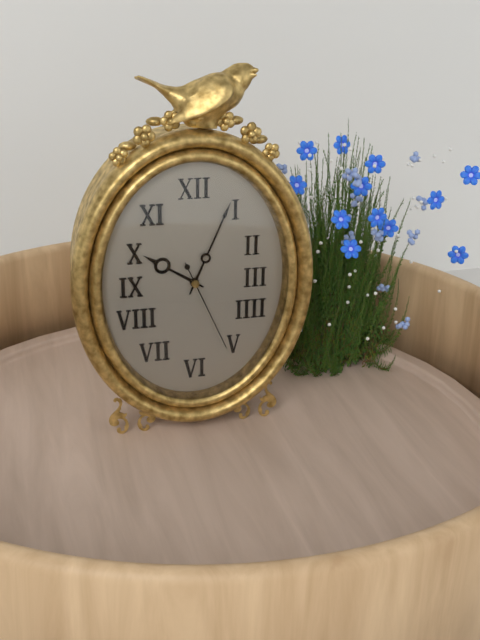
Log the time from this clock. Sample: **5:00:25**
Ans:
**10:04:26**
